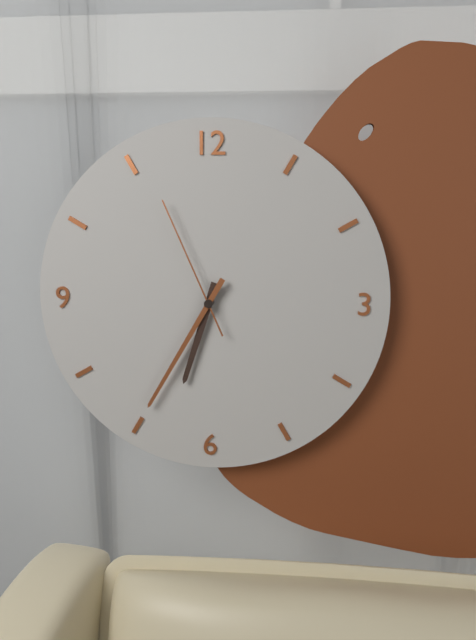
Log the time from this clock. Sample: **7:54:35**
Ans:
**6:35:56**
